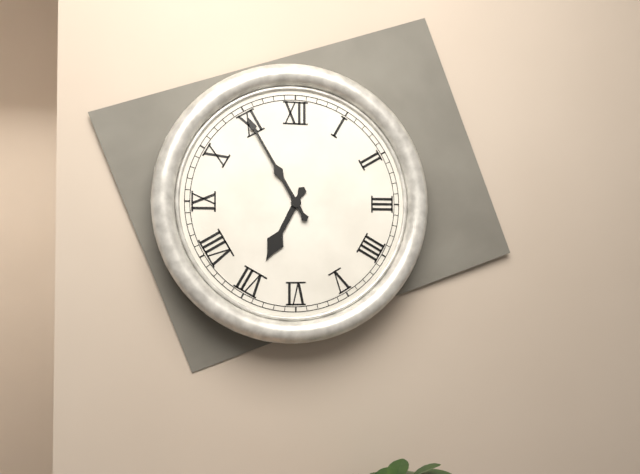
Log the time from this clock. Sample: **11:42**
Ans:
**6:55**
